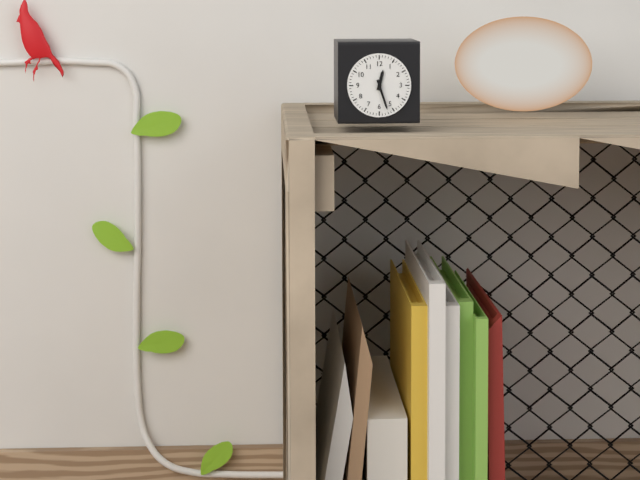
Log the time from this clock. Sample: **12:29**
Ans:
**12:27**
